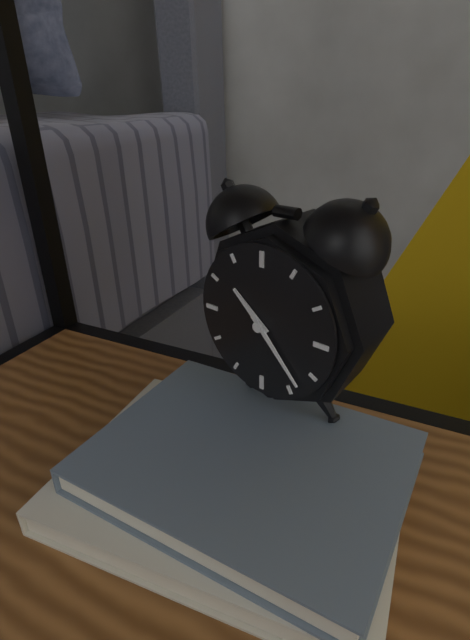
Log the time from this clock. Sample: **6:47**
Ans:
**10:23**
